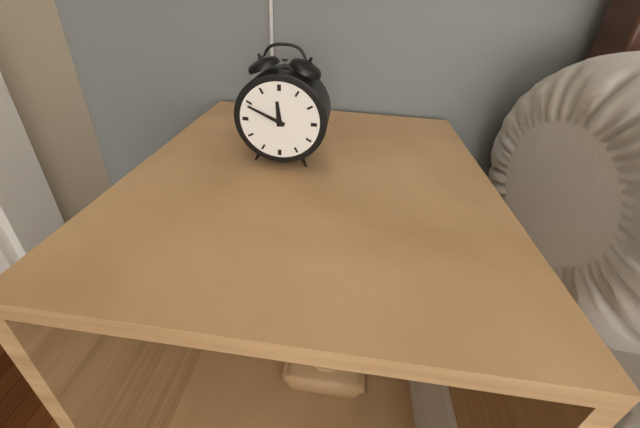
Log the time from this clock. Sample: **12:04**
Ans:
**11:49**
